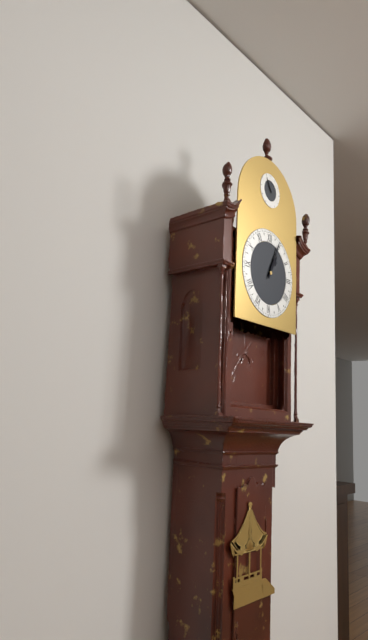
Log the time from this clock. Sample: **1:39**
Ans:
**1:04**
